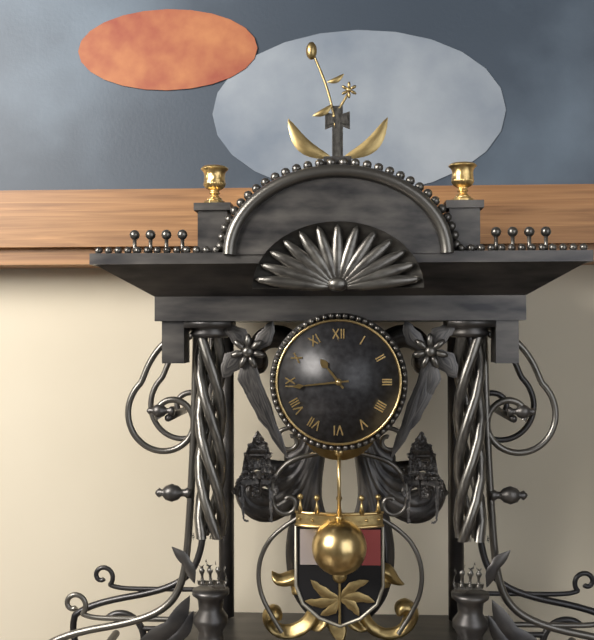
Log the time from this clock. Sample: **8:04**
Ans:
**10:44**
